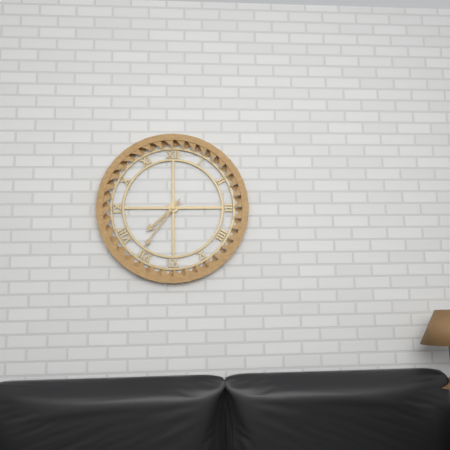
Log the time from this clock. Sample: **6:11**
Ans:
**7:36**
